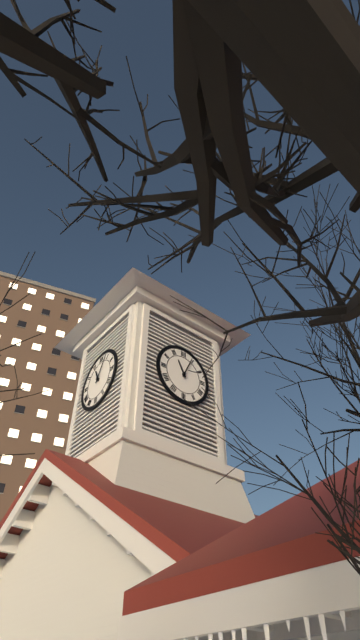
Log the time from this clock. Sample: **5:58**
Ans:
**11:04**
